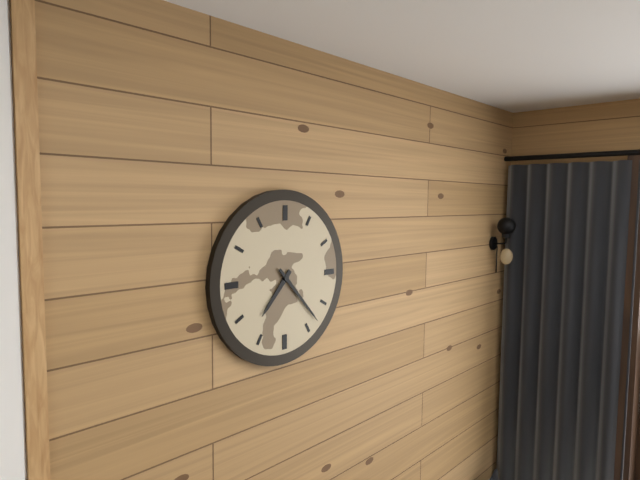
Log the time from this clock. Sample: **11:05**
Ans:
**7:23**
